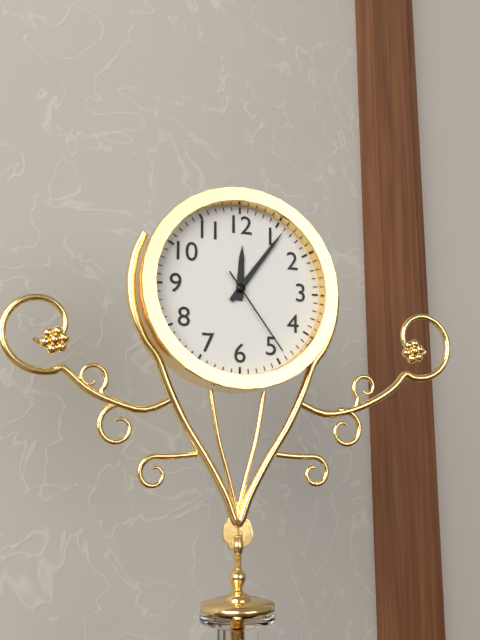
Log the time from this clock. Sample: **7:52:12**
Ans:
**12:06:24**
